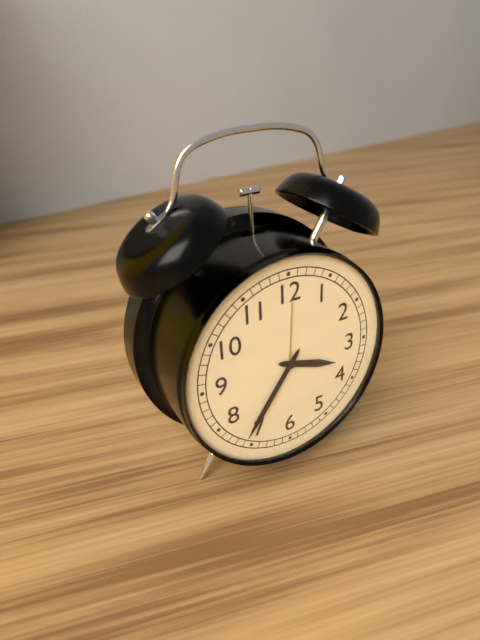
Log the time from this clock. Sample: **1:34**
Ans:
**3:36**
